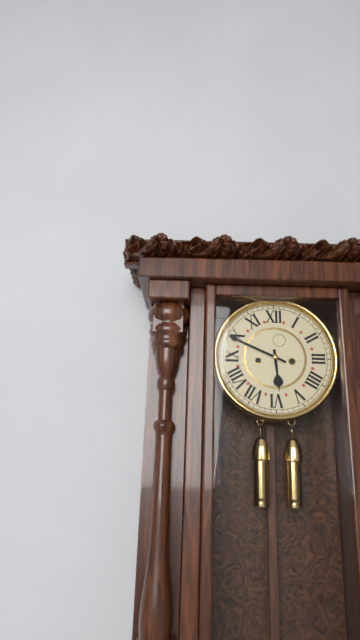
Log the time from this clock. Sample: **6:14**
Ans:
**5:49**
